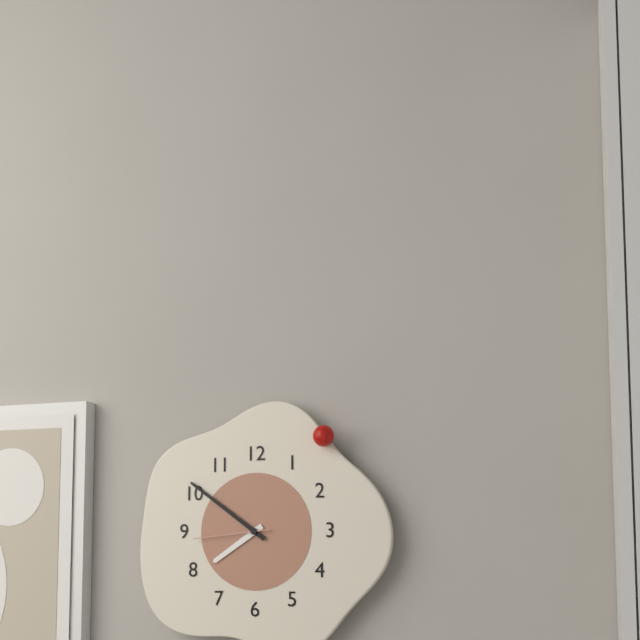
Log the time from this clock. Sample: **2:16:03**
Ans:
**7:51:44**
